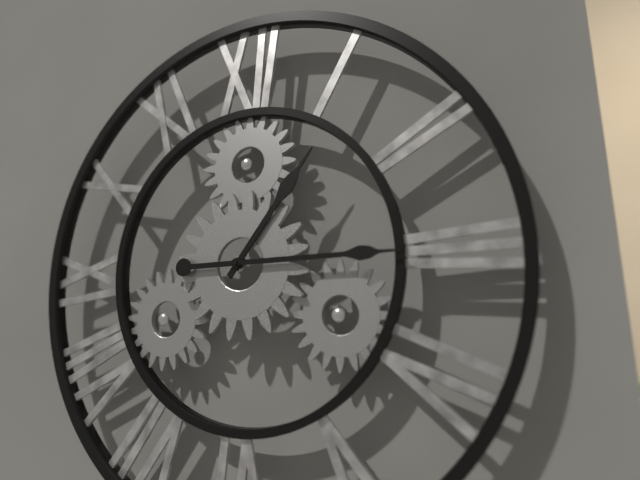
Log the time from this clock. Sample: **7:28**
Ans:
**1:15**
